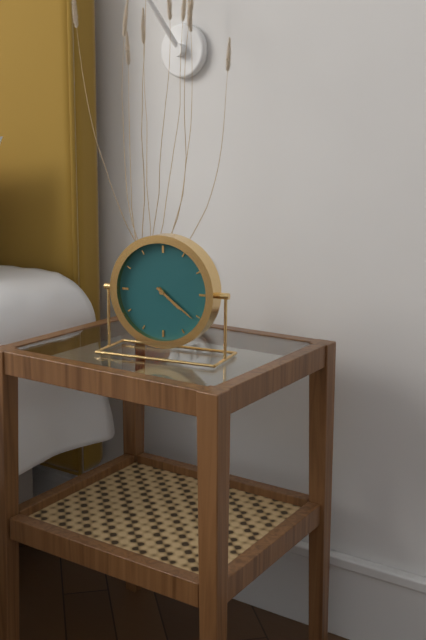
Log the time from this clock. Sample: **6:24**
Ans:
**4:21**
